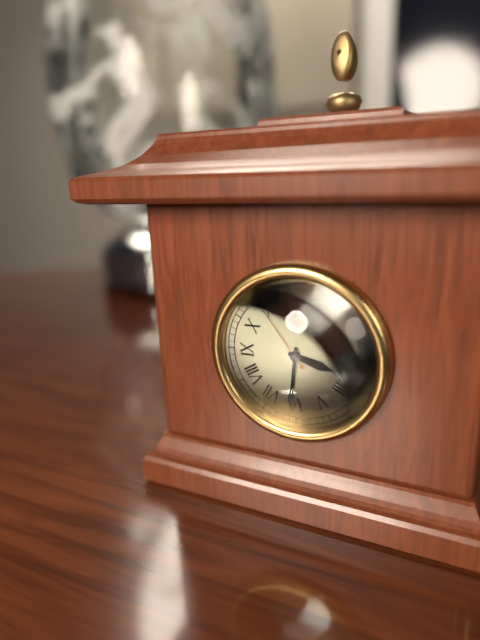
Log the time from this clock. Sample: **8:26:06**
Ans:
**3:31:54**
